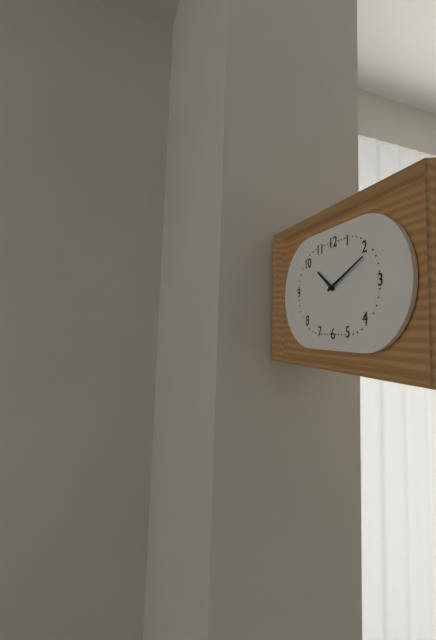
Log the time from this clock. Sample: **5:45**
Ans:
**10:11**
